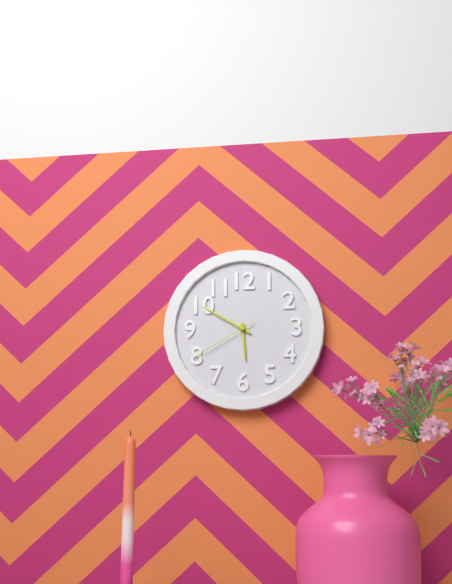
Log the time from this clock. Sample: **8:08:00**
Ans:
**5:50:40**
